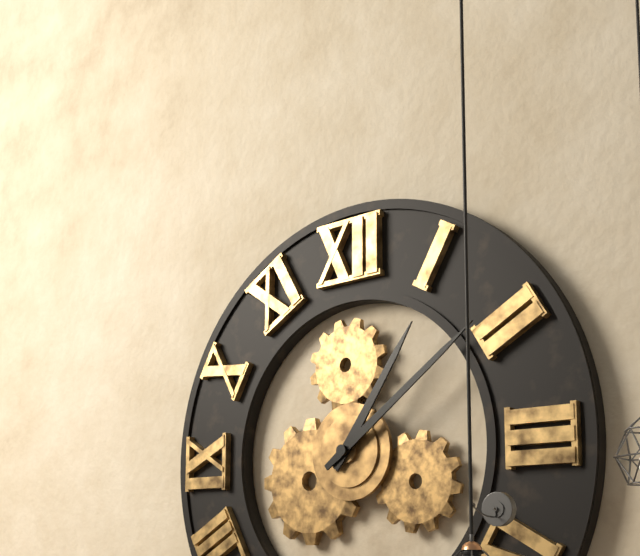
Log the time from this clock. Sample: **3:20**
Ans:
**1:09**
